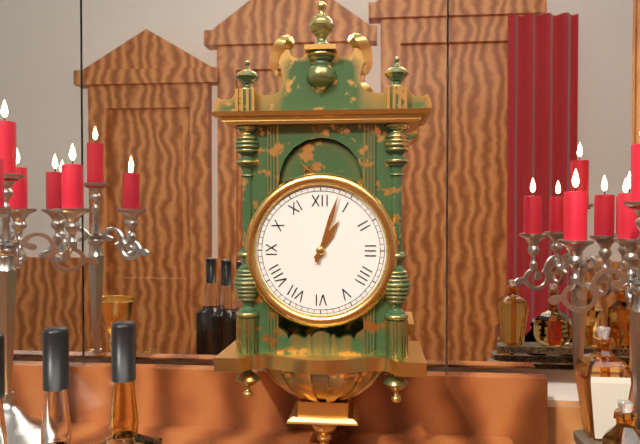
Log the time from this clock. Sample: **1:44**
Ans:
**1:03**
